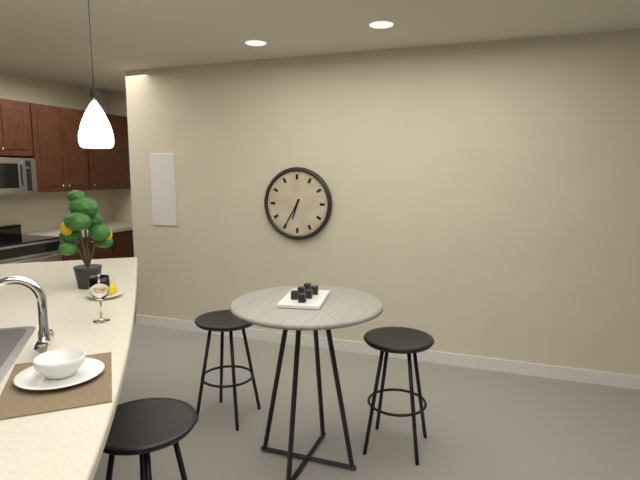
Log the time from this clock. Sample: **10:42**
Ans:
**6:35**
